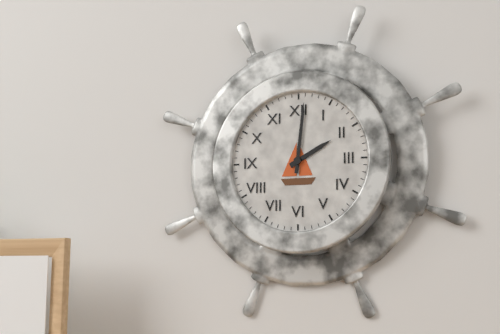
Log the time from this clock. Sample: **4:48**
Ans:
**2:01**
